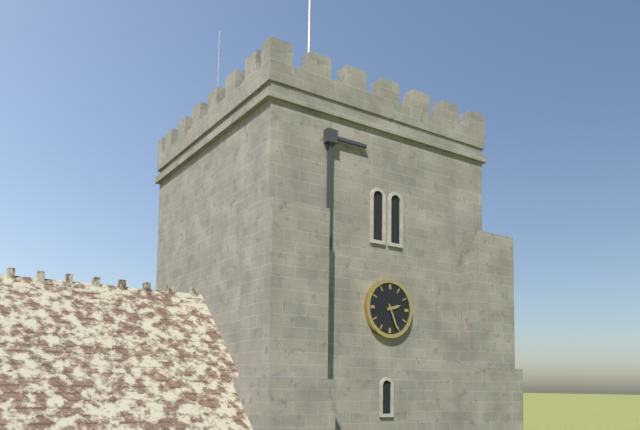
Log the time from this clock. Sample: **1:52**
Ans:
**2:26**
